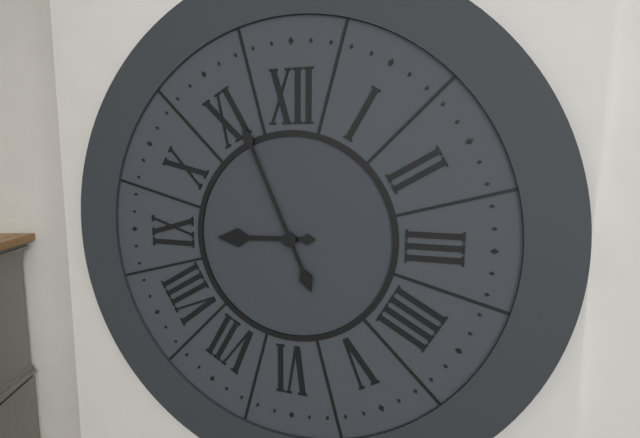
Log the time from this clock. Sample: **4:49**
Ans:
**8:56**
